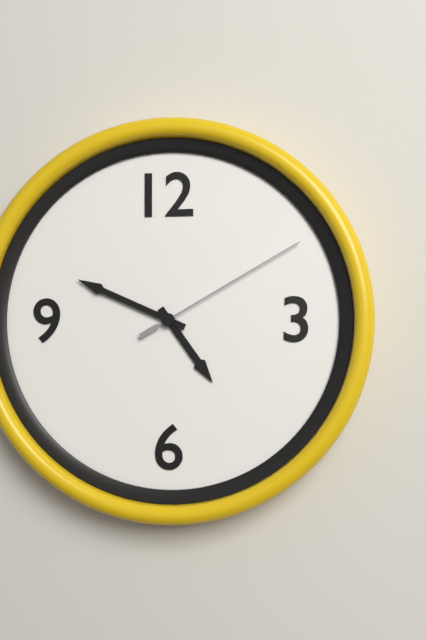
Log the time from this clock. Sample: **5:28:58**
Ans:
**4:49:10**
